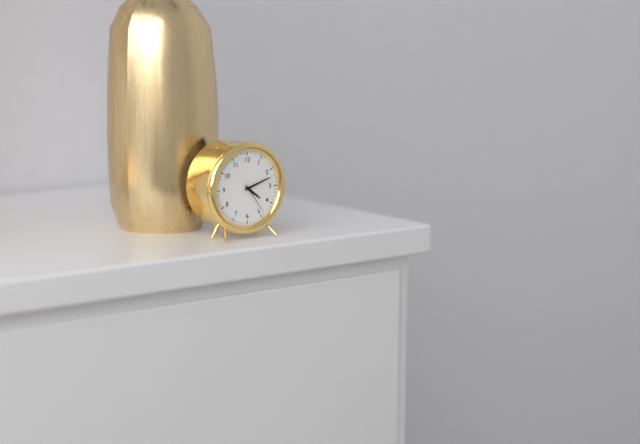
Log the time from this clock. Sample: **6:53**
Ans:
**4:12**
